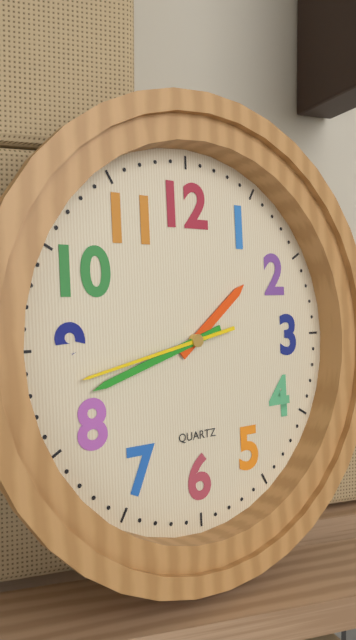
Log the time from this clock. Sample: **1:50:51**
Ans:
**1:42:43**
